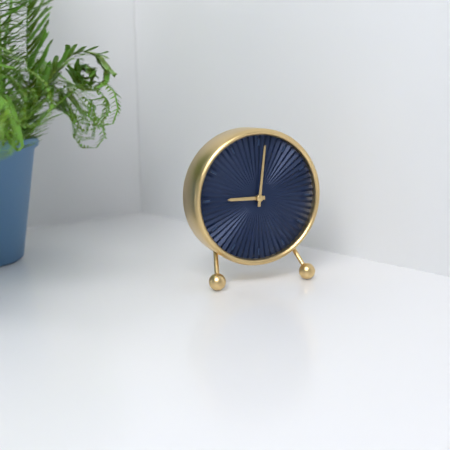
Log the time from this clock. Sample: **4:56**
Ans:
**9:01**
